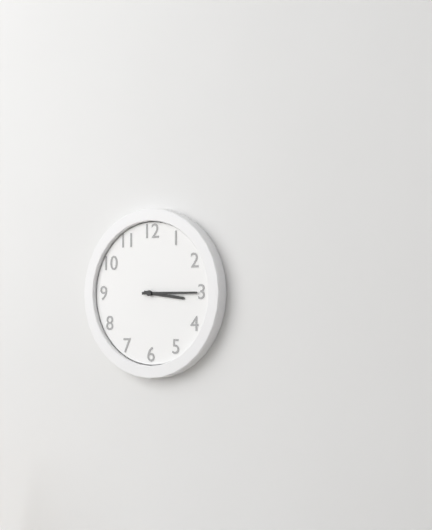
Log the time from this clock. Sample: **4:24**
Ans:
**3:15**
